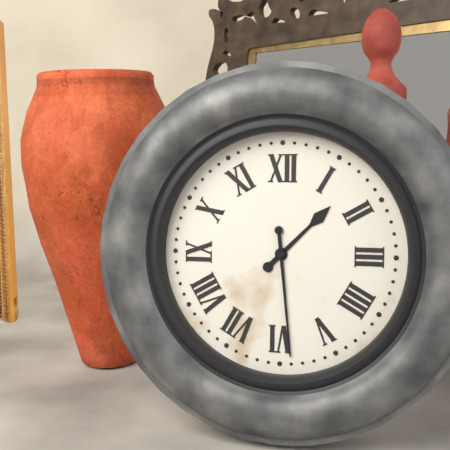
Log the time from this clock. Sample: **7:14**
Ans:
**1:29**
